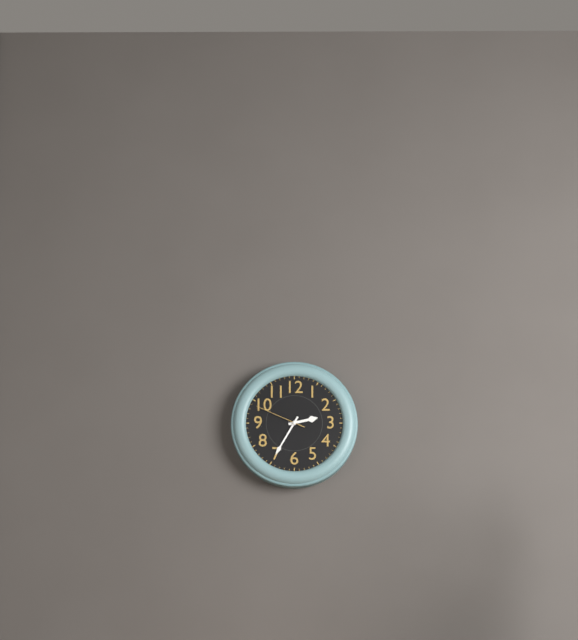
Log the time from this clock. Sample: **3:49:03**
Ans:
**2:35:49**
